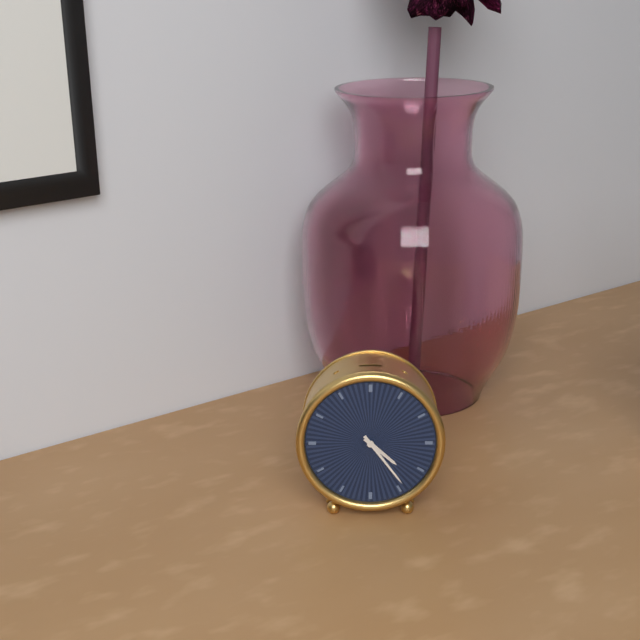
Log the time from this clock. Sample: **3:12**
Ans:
**4:24**
